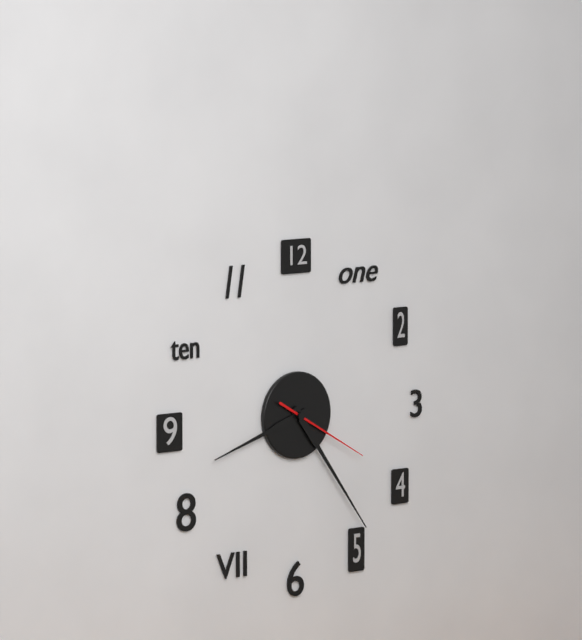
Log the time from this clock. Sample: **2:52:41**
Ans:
**8:24:20**
